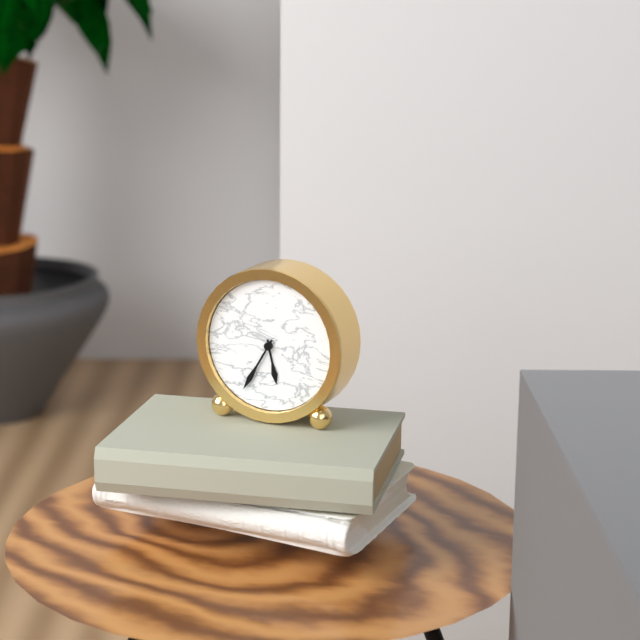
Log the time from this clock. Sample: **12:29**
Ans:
**5:35**
